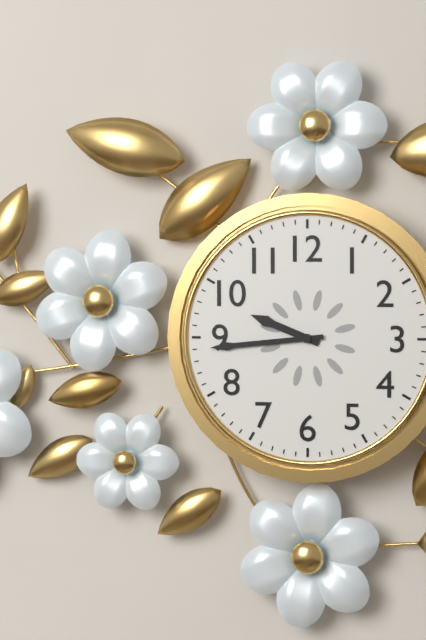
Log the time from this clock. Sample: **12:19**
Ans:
**9:44**
